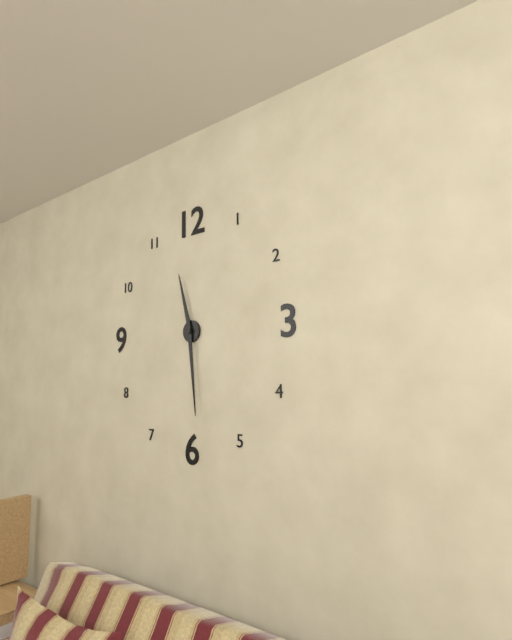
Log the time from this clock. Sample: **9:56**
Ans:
**11:29**
